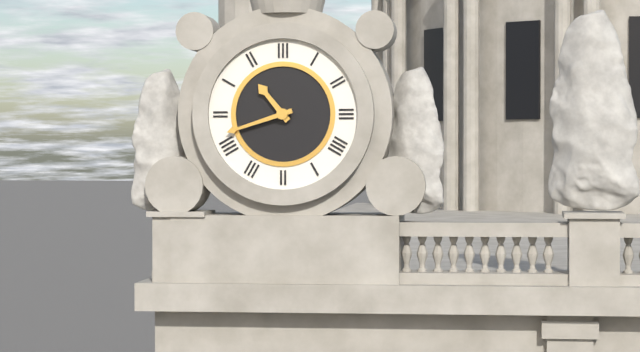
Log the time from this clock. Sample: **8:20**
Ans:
**10:42**
